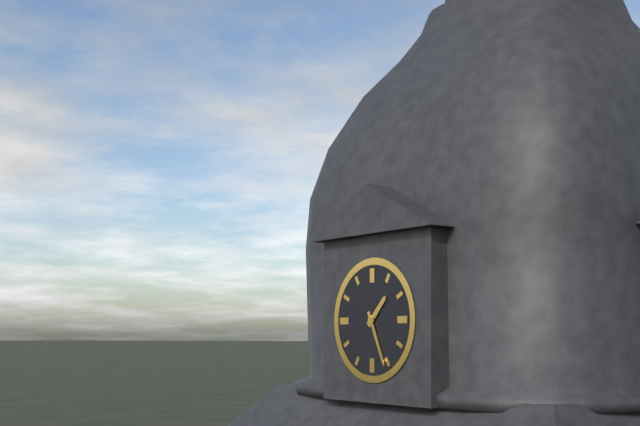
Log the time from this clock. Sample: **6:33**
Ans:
**1:26**
